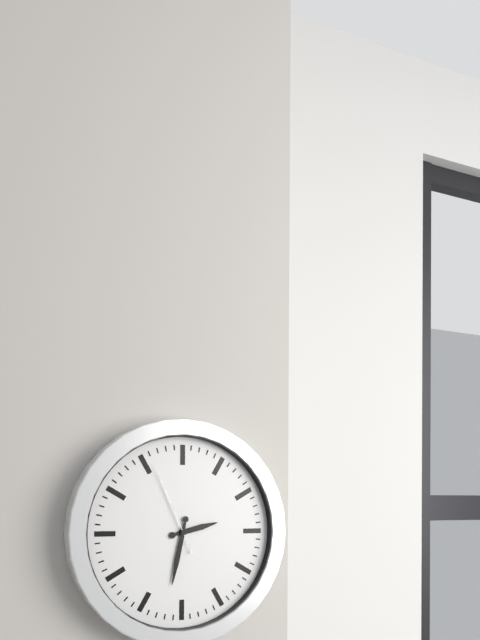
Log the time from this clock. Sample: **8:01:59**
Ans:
**2:32:56**
